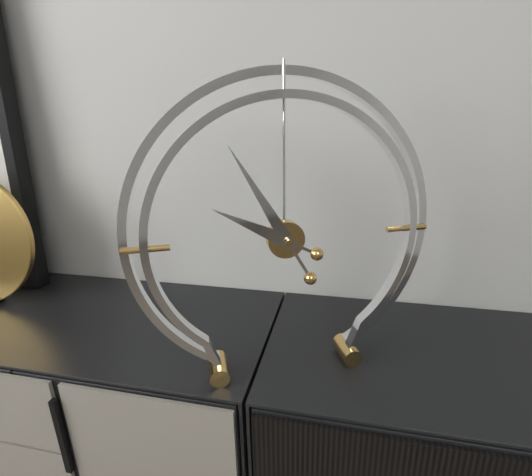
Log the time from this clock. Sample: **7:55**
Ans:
**9:55**
